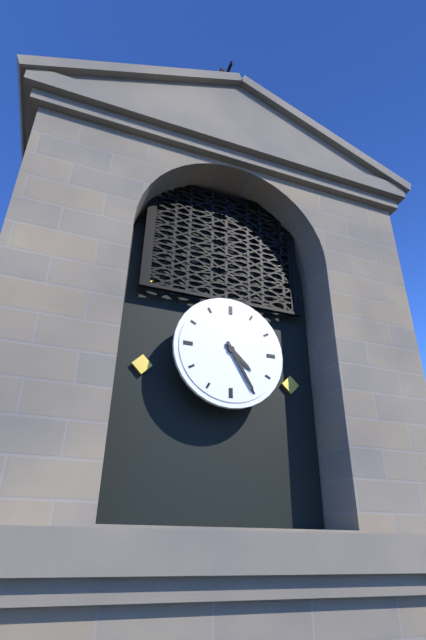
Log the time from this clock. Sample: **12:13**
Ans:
**4:25**
